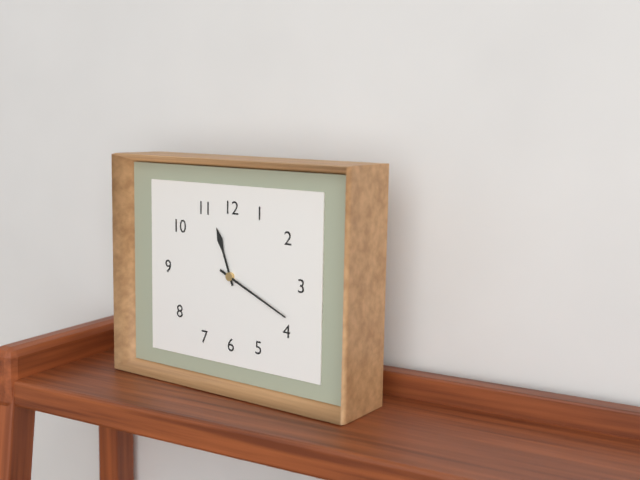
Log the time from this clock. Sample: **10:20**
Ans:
**11:19**
